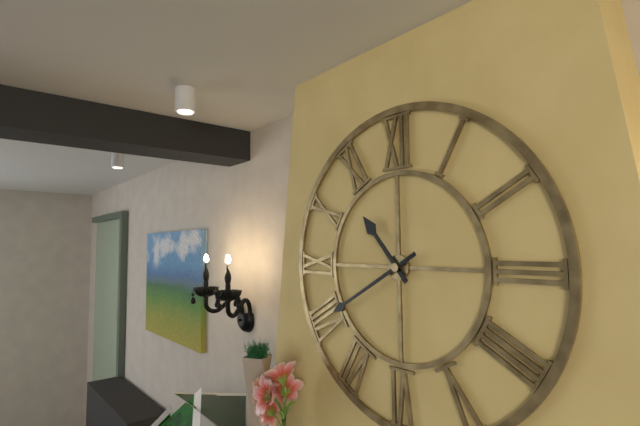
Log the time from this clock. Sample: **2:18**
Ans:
**10:40**
